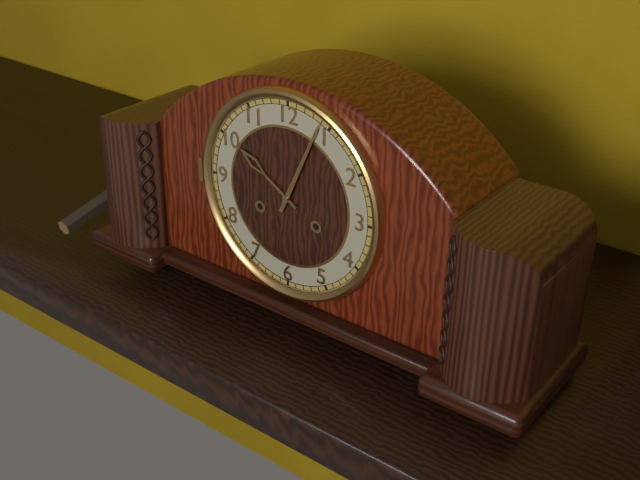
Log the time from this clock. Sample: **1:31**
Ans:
**10:04**
